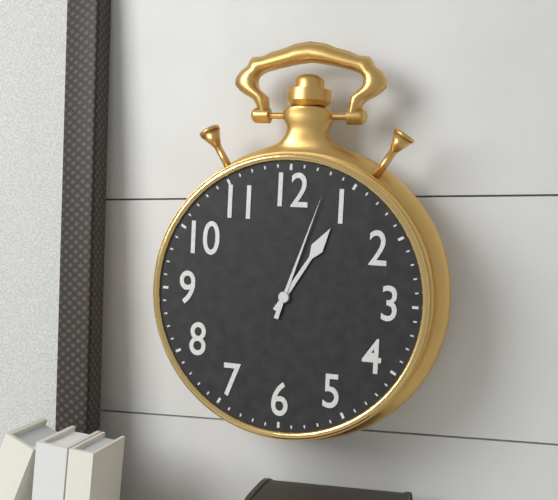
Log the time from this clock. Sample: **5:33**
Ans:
**1:03**
